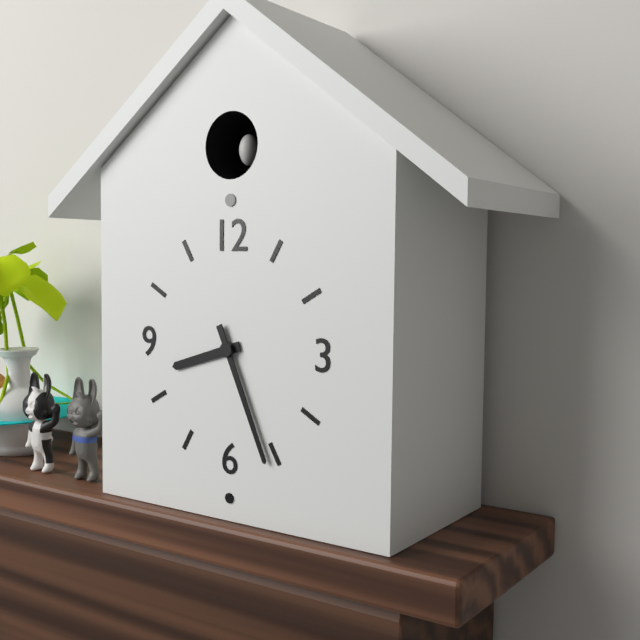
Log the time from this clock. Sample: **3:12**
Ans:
**8:26**
